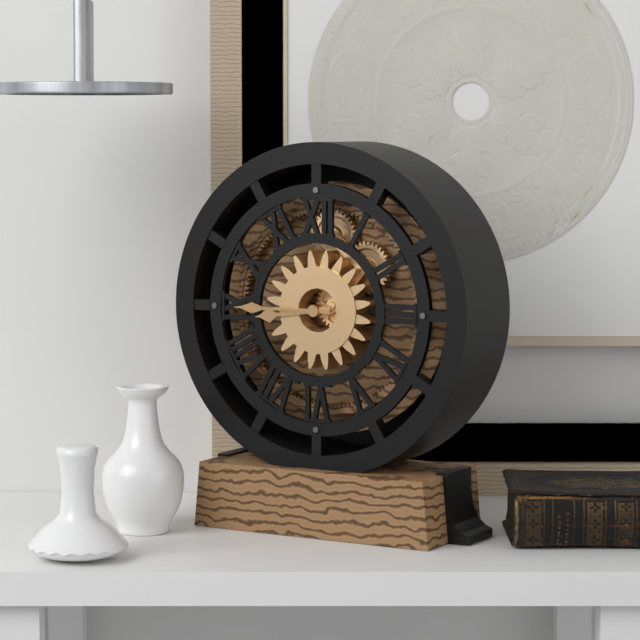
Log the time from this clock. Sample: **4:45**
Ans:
**8:45**
